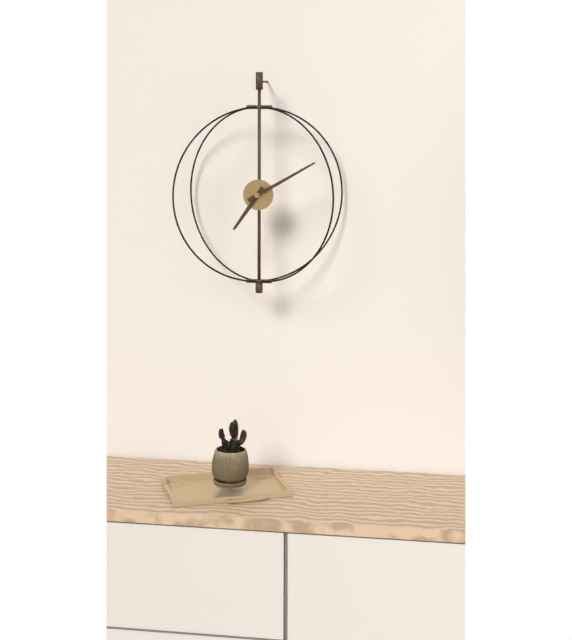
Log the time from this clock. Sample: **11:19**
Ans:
**7:10**
